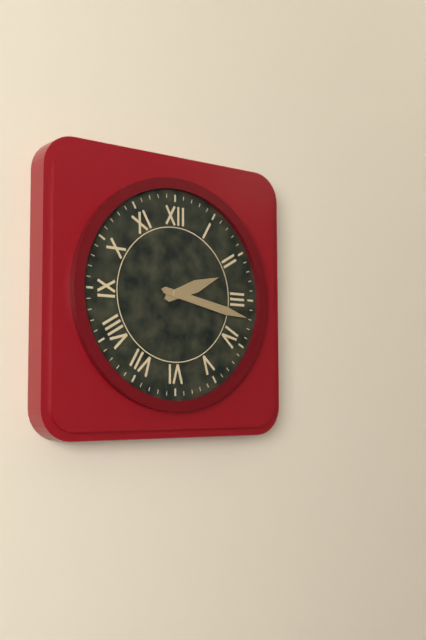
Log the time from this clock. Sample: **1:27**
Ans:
**2:17**
